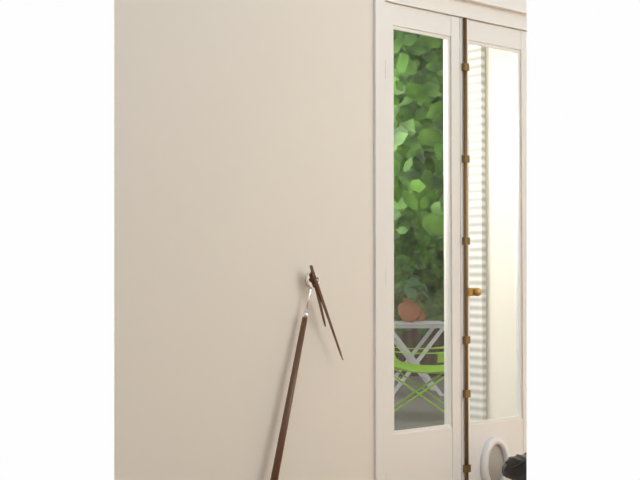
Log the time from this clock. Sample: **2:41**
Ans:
**5:26**
